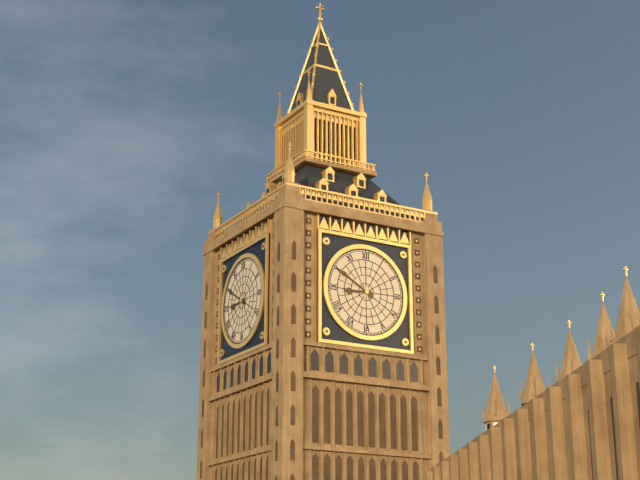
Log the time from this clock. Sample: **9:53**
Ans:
**8:50**
